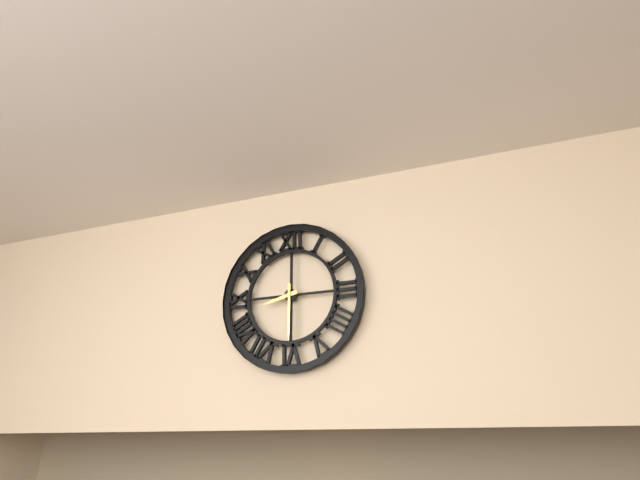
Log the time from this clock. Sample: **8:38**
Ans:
**8:30**
